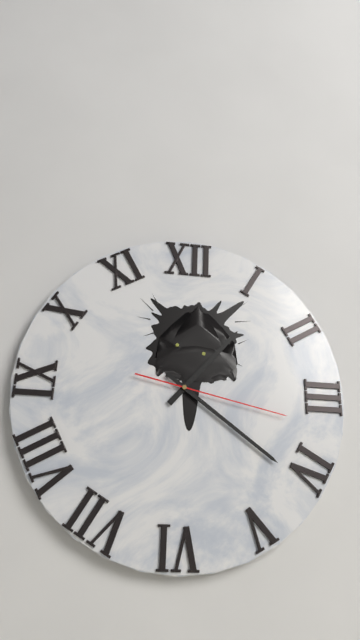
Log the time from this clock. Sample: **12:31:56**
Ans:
**1:21:17**
